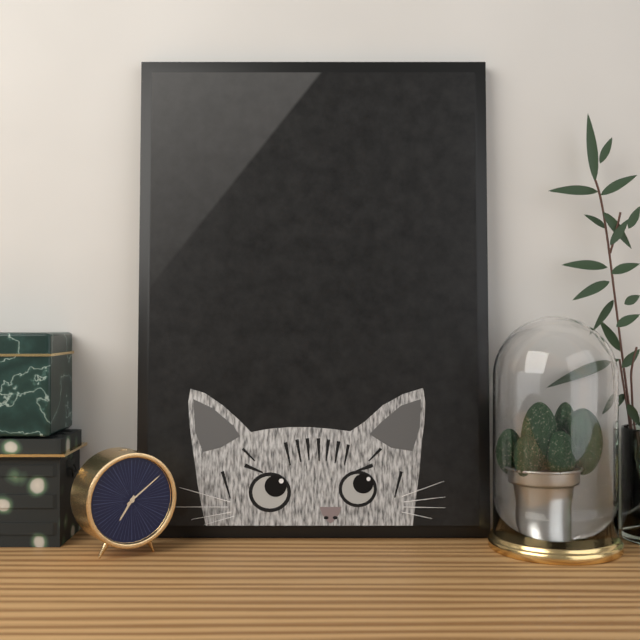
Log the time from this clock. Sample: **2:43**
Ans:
**7:09**
